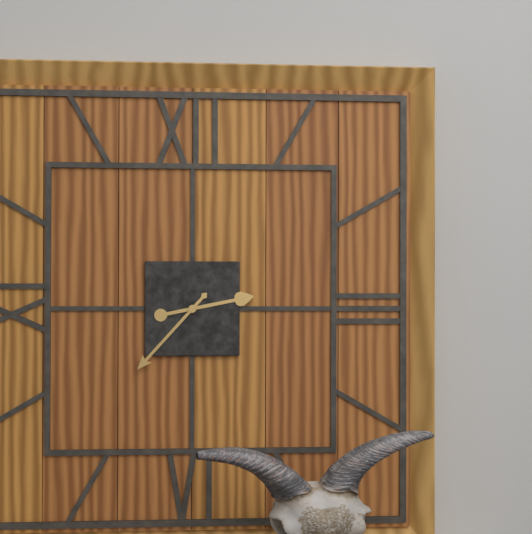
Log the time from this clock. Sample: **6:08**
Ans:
**2:37**
